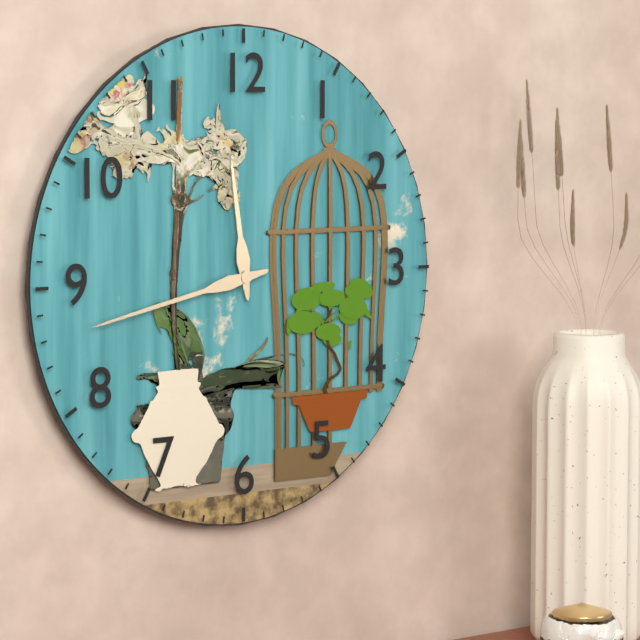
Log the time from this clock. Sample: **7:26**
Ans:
**11:43**
